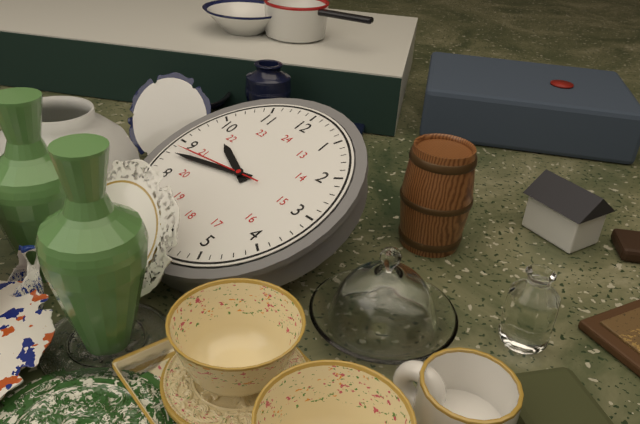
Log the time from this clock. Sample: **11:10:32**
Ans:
**9:43:44**
